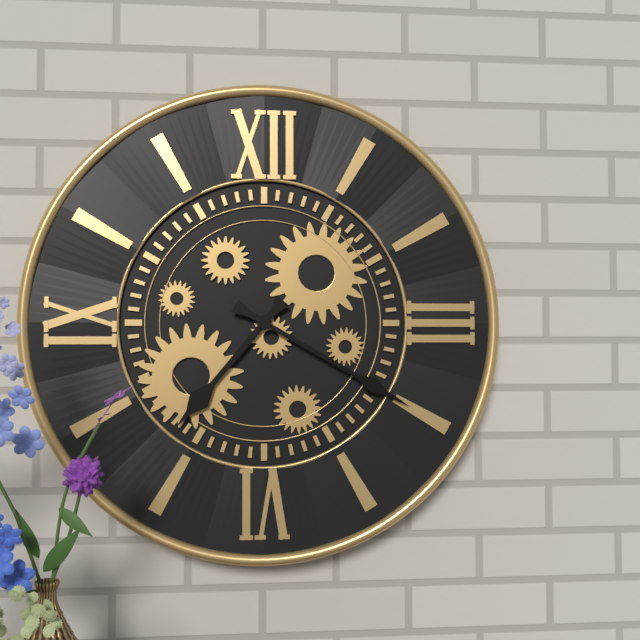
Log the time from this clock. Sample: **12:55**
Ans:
**7:20**
